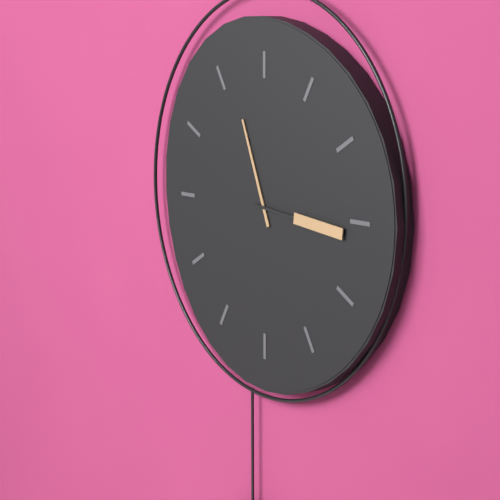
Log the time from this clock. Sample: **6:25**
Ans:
**11:16**
